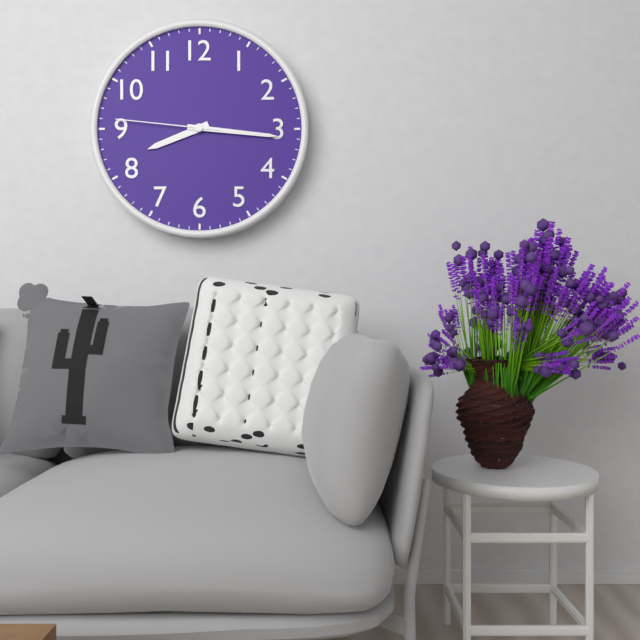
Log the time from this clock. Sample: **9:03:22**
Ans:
**8:16:46**
